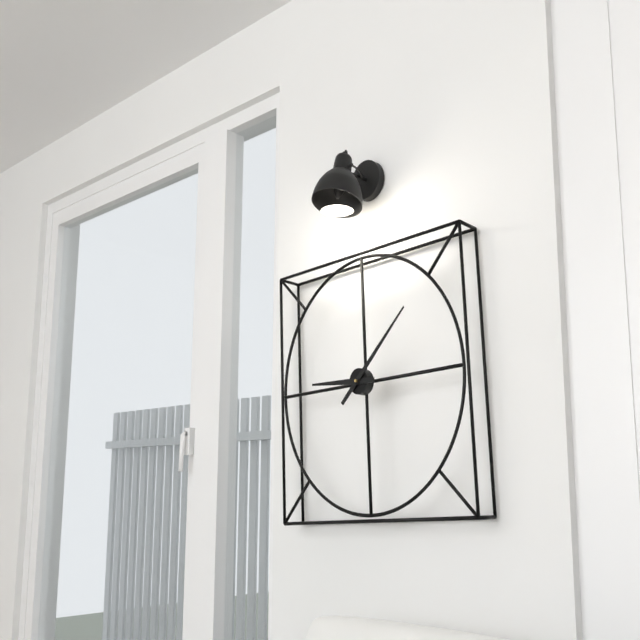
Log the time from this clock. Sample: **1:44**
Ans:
**9:08**
